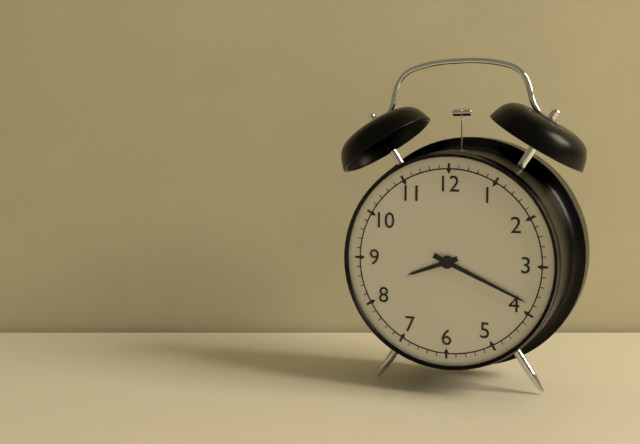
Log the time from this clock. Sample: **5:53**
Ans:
**8:19**
